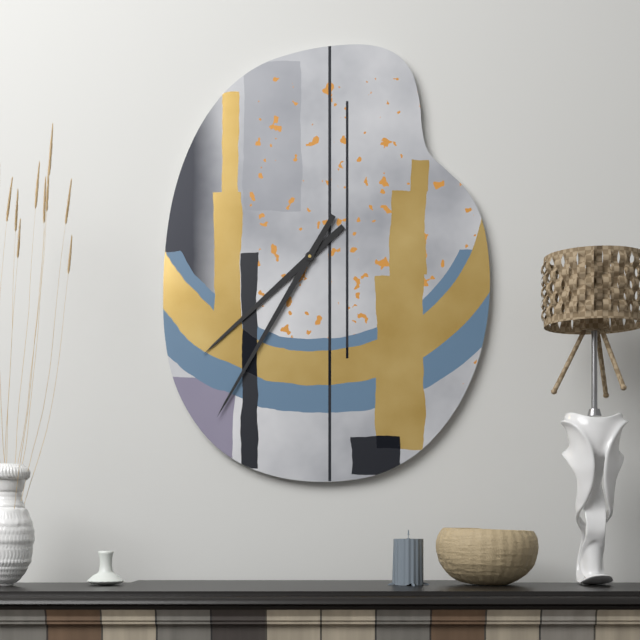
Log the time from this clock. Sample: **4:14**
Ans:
**7:35**
